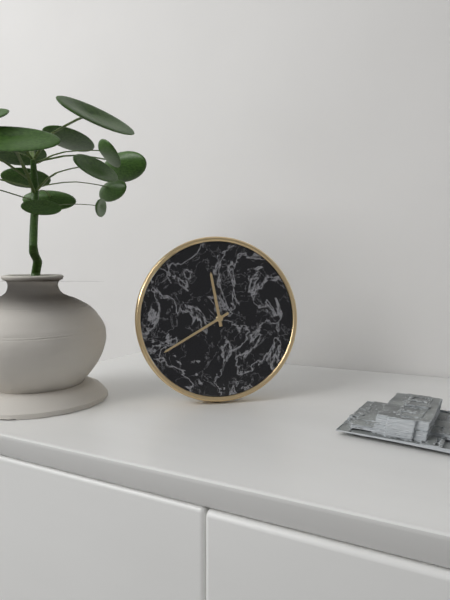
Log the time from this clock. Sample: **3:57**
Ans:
**11:40**
